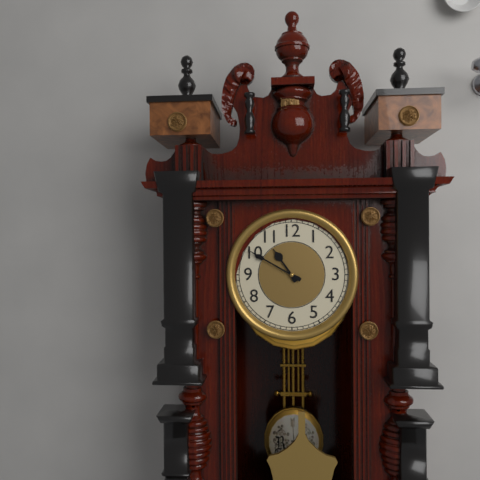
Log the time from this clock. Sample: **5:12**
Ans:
**10:50**
